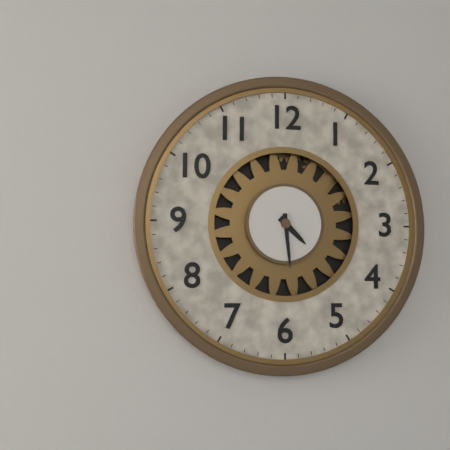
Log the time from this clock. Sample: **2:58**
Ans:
**4:29**
